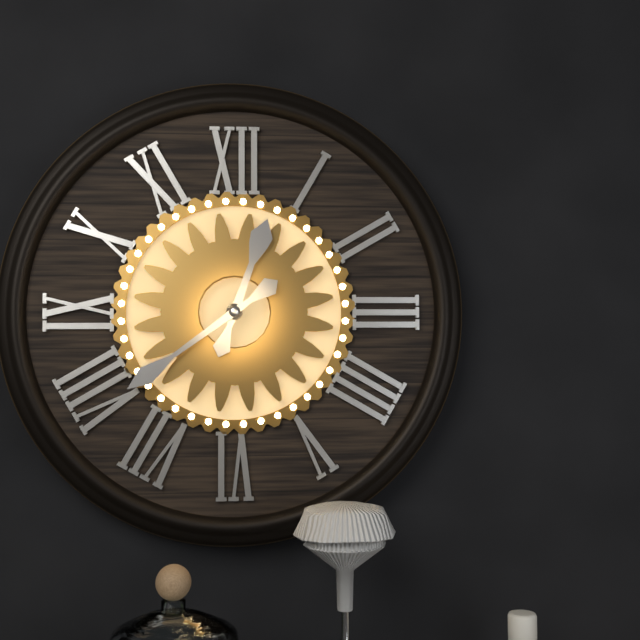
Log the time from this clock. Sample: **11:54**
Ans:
**12:39**
